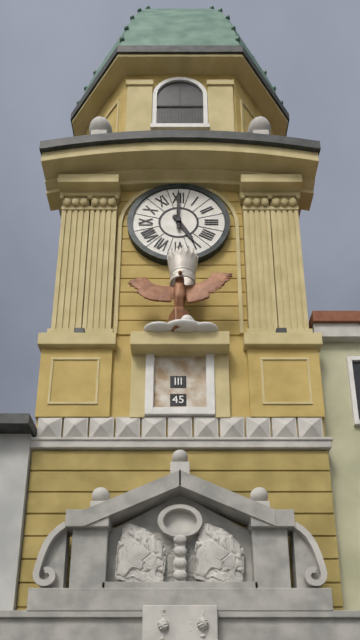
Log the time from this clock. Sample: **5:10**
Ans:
**5:00**
